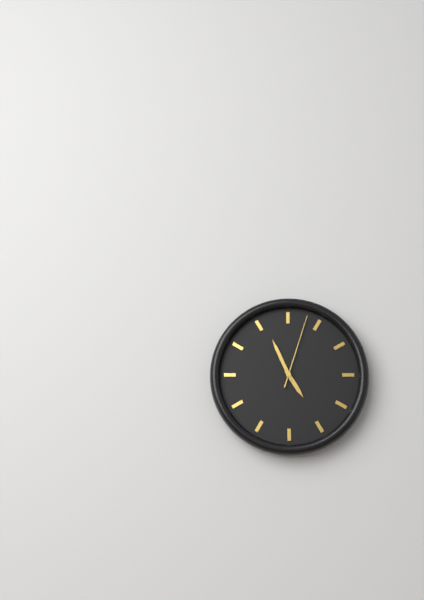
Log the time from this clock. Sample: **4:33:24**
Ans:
**4:56:03**
